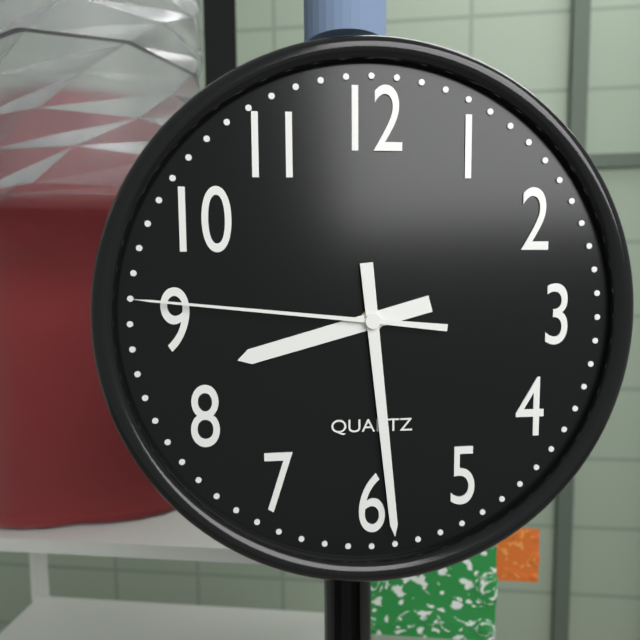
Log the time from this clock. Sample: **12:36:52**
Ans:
**8:29:46**
